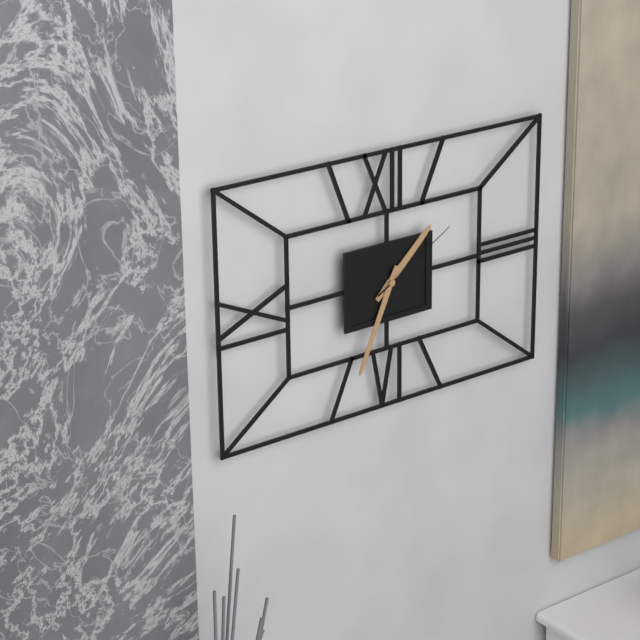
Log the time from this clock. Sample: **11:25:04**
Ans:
**1:34:10**
